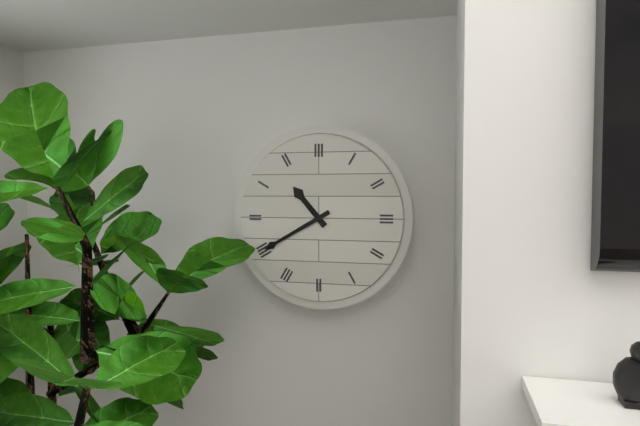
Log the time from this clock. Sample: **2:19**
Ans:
**10:40**
